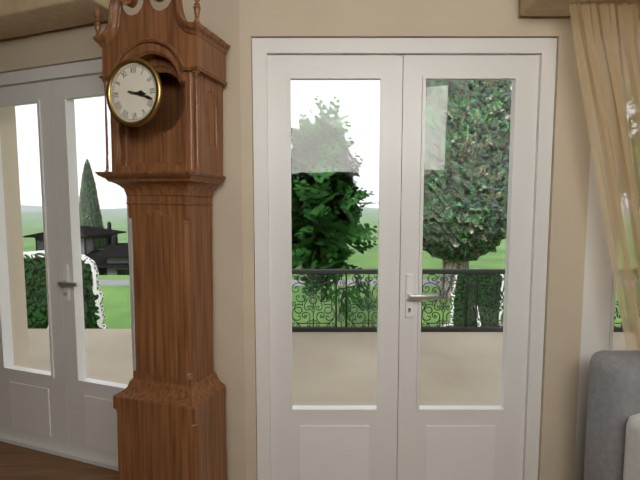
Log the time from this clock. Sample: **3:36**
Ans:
**3:18**
